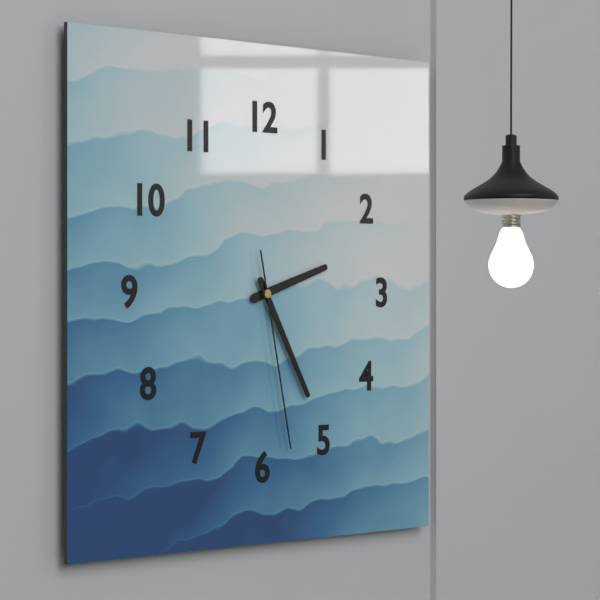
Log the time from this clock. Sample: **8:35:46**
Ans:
**2:25:28**
